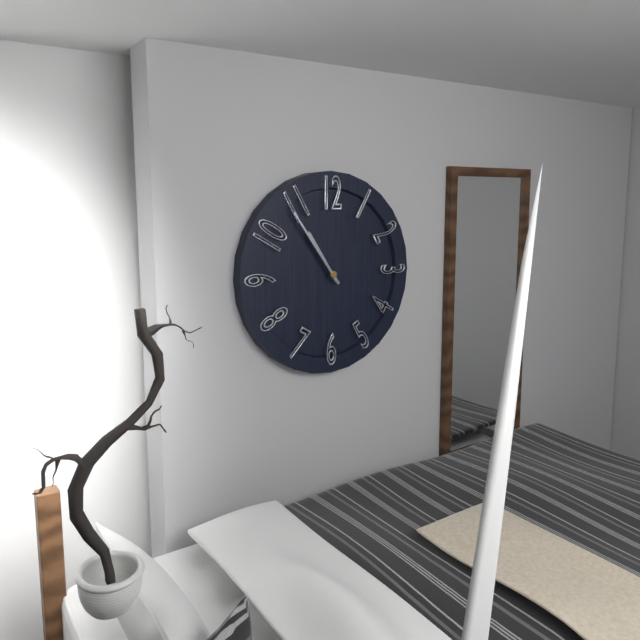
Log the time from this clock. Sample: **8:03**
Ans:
**10:54**
